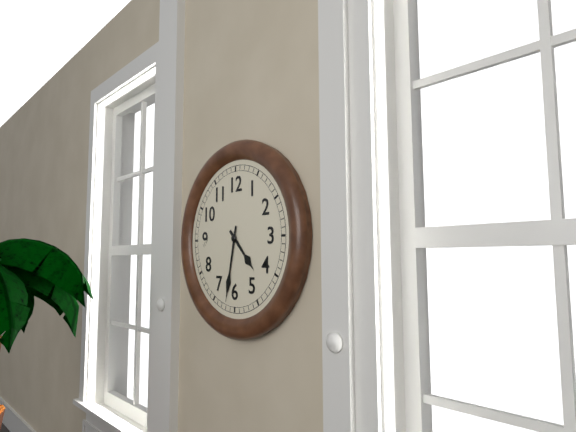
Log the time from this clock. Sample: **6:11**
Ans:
**4:32**
